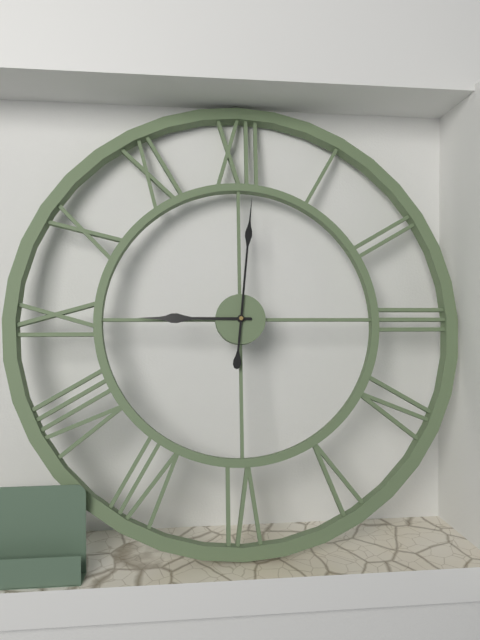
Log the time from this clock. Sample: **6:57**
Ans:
**9:01**
